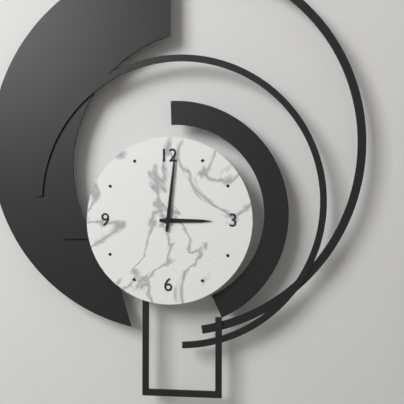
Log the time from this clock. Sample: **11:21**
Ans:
**3:01**
